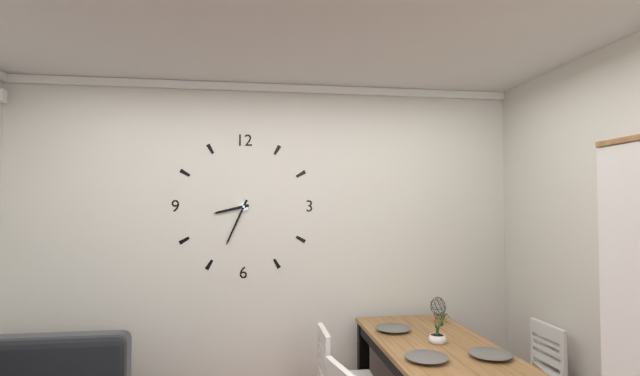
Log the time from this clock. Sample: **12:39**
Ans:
**8:34**
